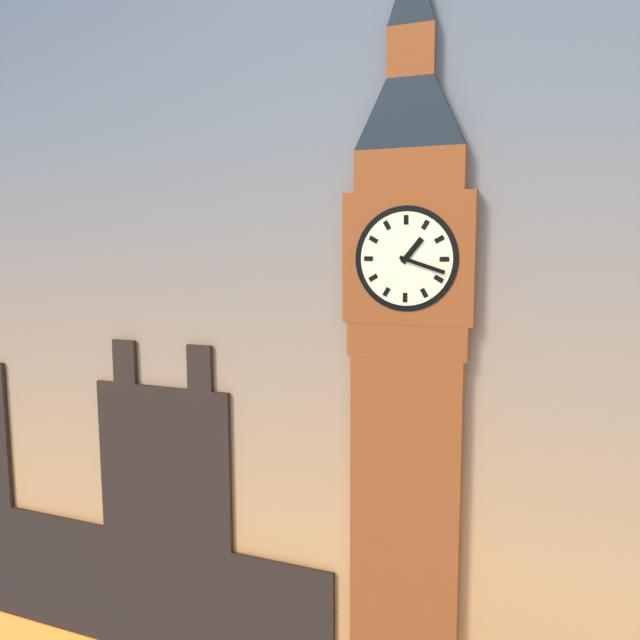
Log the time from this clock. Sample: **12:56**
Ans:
**1:18**
